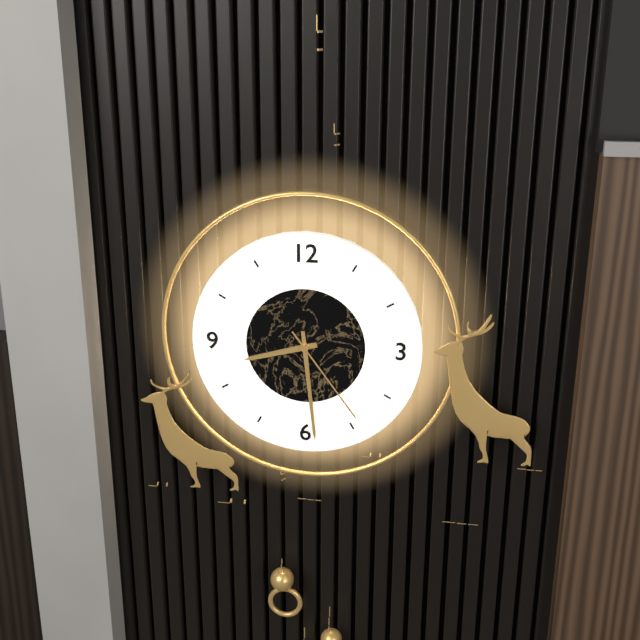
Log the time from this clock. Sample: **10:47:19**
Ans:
**8:29:24**
